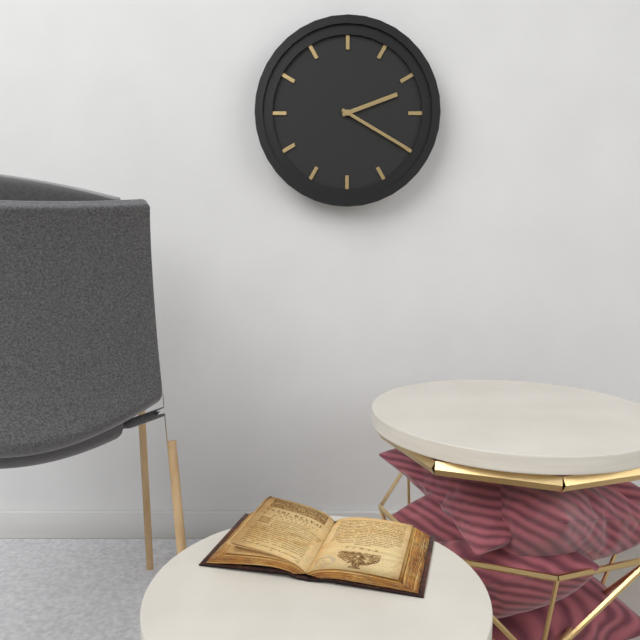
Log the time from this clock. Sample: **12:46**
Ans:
**2:20**
